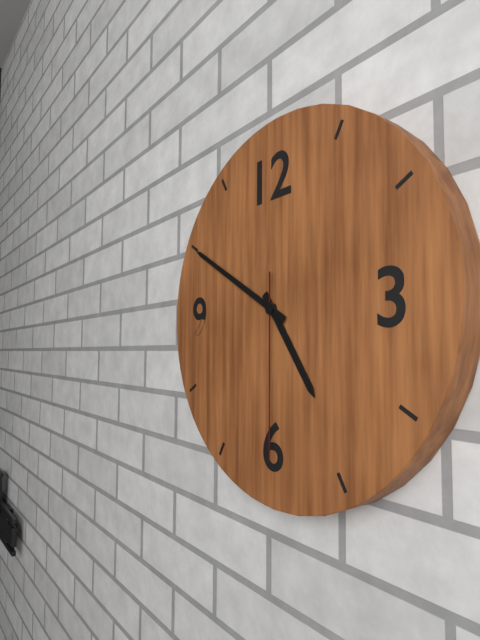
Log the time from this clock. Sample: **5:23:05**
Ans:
**4:50:30**
